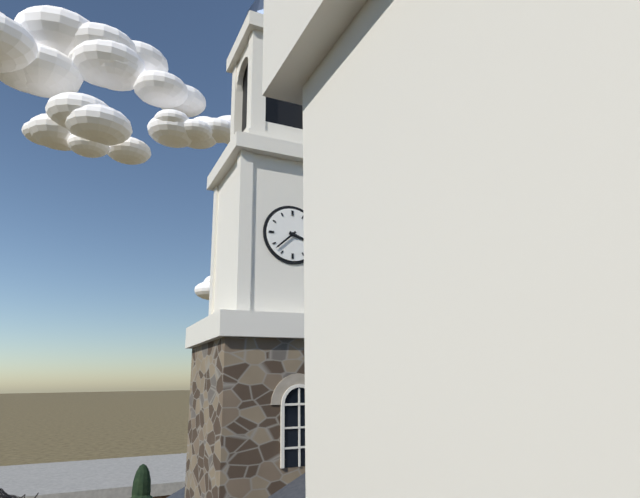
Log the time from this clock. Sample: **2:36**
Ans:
**3:38**
